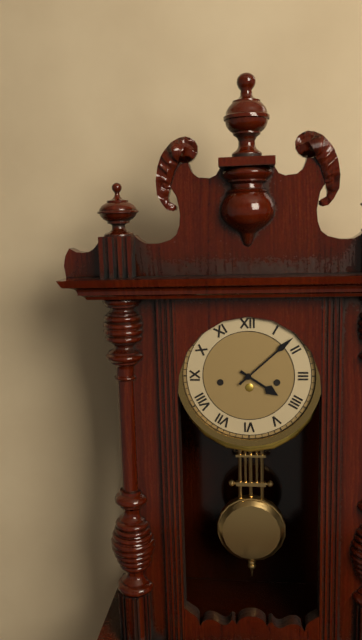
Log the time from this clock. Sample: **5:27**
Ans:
**4:08**
